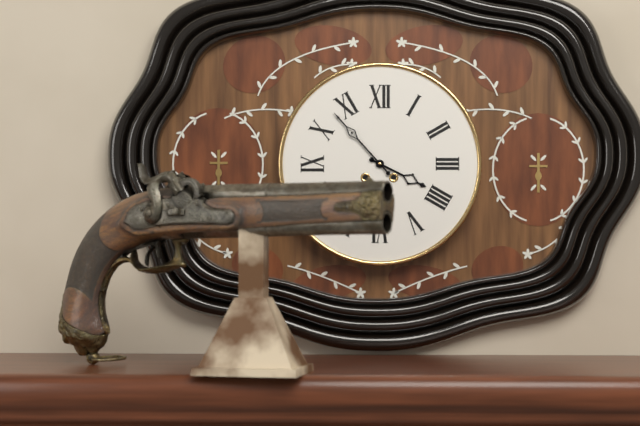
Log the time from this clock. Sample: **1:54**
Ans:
**3:53**
